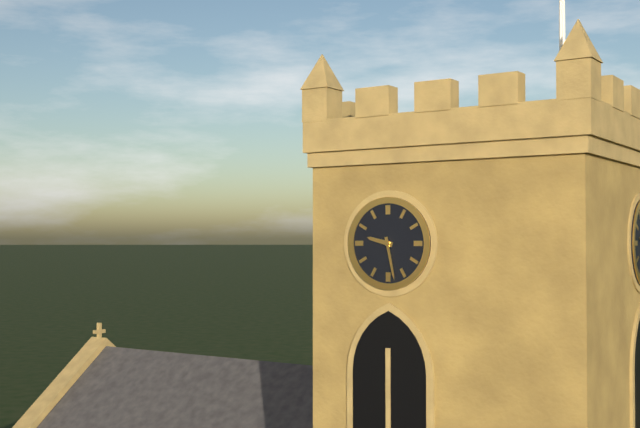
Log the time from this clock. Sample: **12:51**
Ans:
**9:28**
